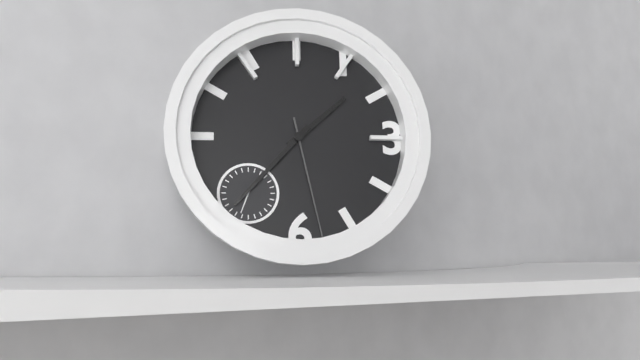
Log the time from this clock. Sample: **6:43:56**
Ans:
**1:37:28**
